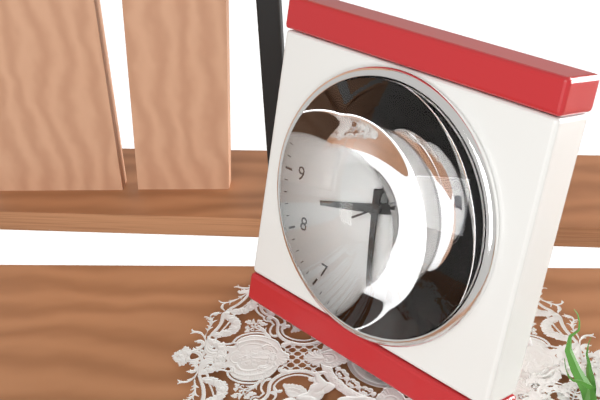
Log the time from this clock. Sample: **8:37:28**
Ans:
**8:29:09**
